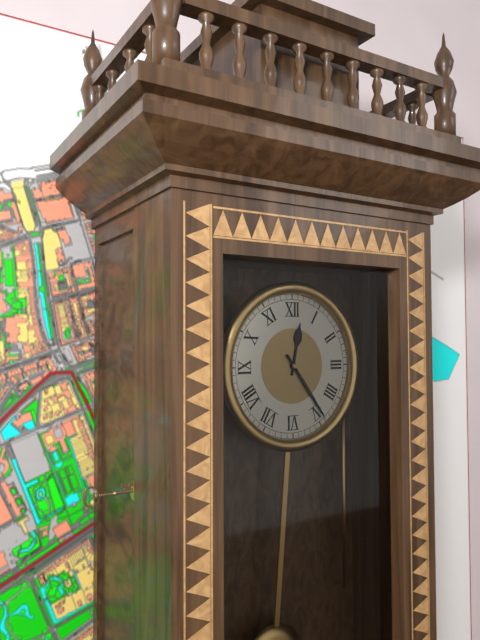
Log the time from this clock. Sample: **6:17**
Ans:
**12:24**
